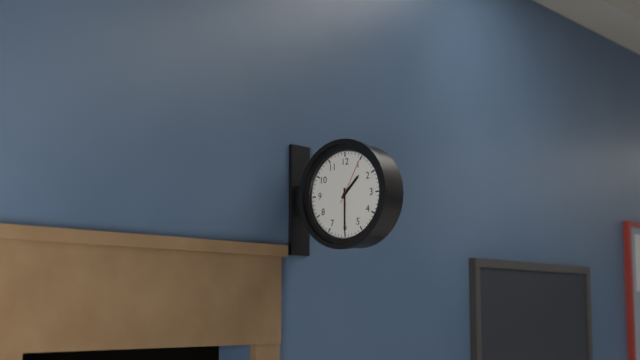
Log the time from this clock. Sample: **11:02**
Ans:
**1:30**
